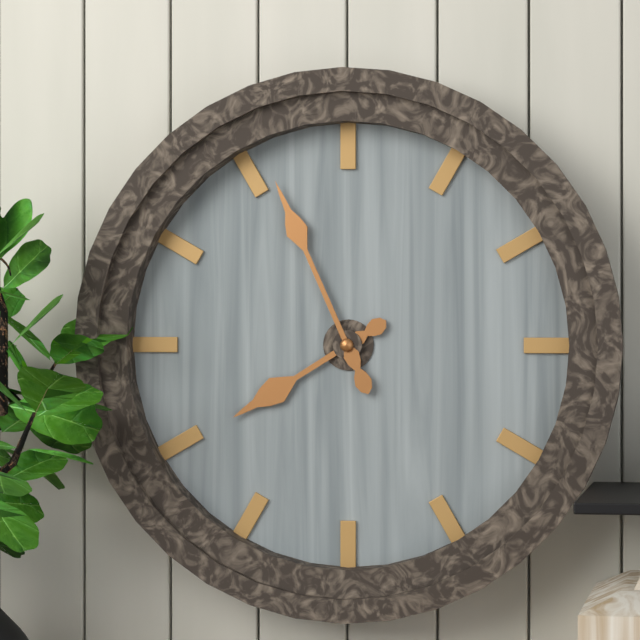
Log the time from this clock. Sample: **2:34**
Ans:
**7:56**
